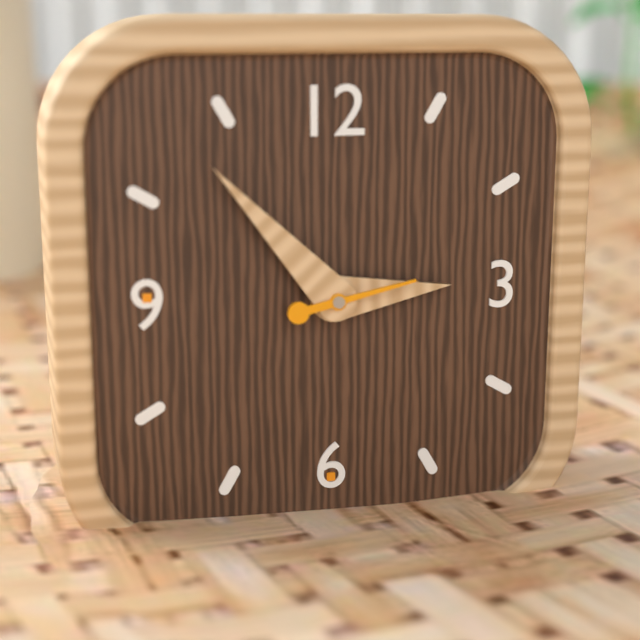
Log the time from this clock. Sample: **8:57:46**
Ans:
**2:53:13**
